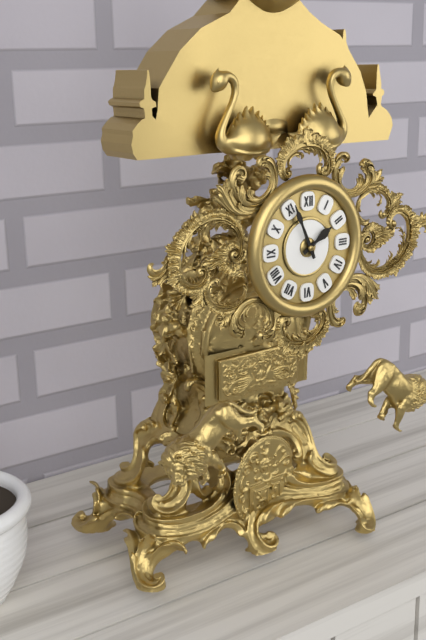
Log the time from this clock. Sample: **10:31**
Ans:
**1:56**
